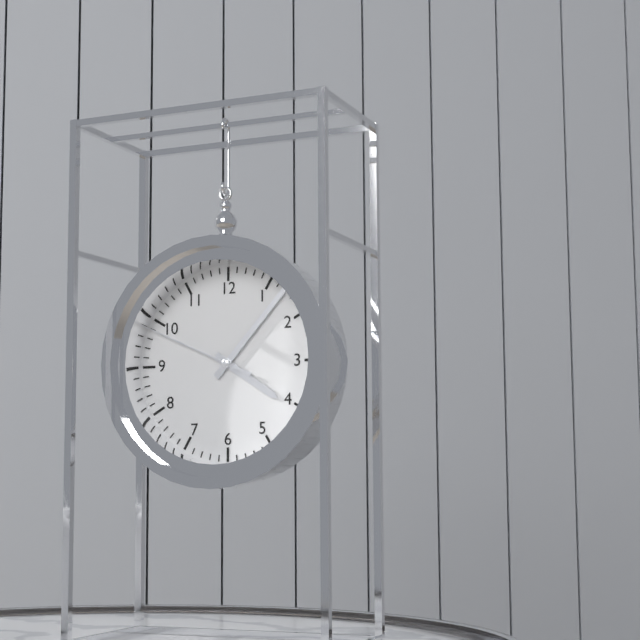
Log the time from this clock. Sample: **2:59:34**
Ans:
**4:07:49**
